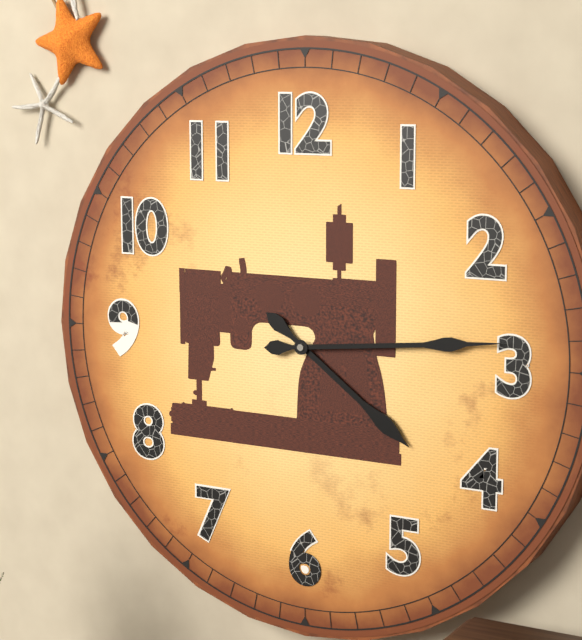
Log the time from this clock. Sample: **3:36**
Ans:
**4:14**
